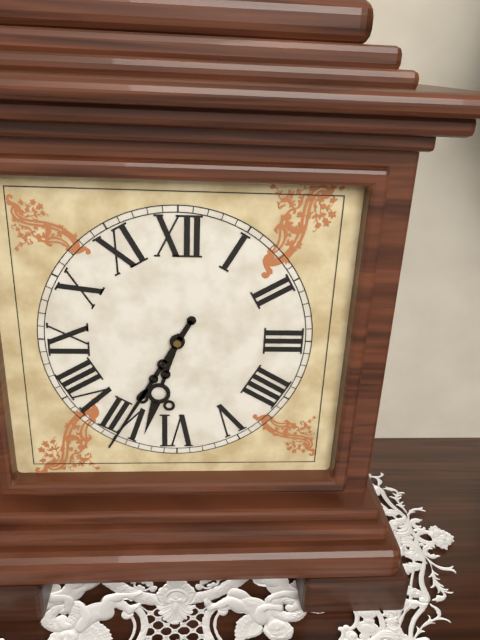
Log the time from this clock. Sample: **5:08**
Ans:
**6:35**
